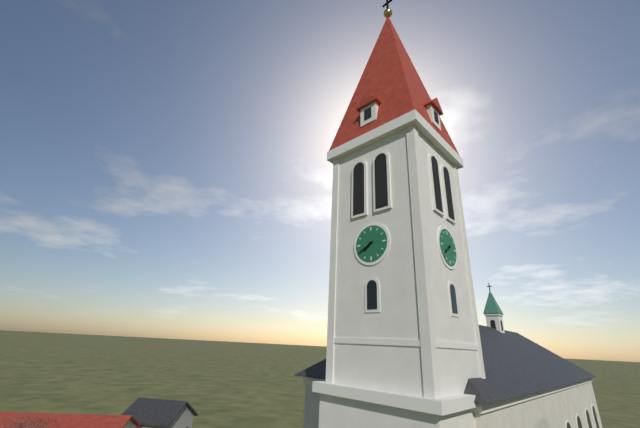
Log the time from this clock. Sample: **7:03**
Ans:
**7:40**
